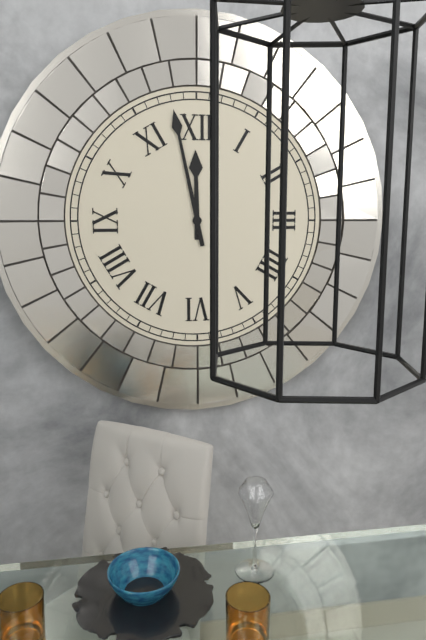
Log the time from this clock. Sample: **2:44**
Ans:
**11:58**
